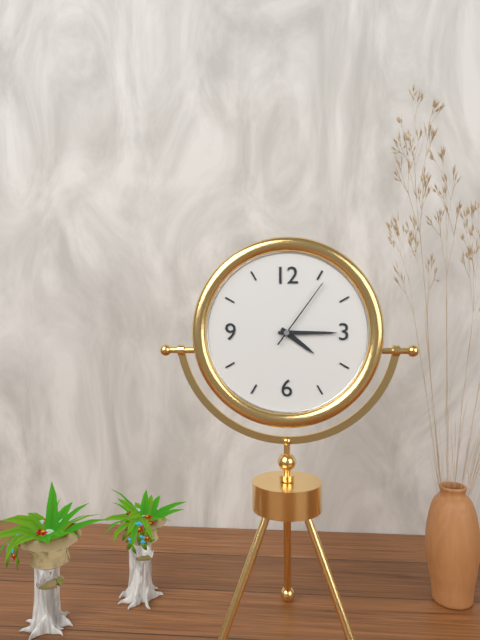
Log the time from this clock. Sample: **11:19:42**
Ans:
**4:15:06**
